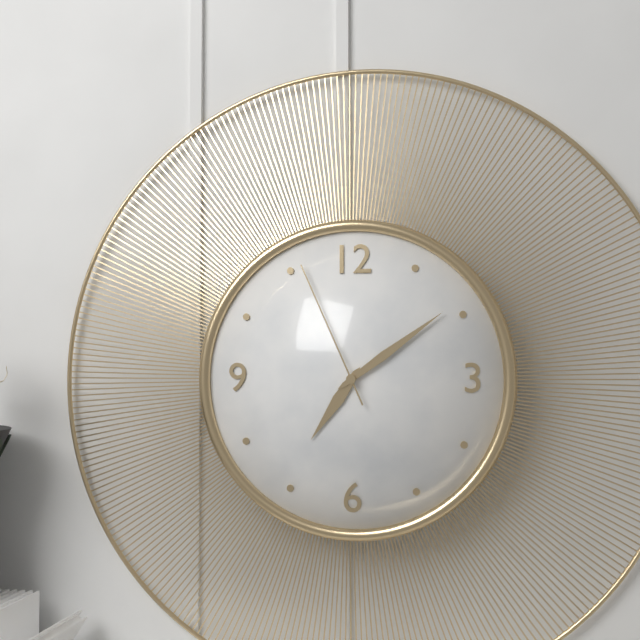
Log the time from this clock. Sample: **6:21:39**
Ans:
**7:09:56**
